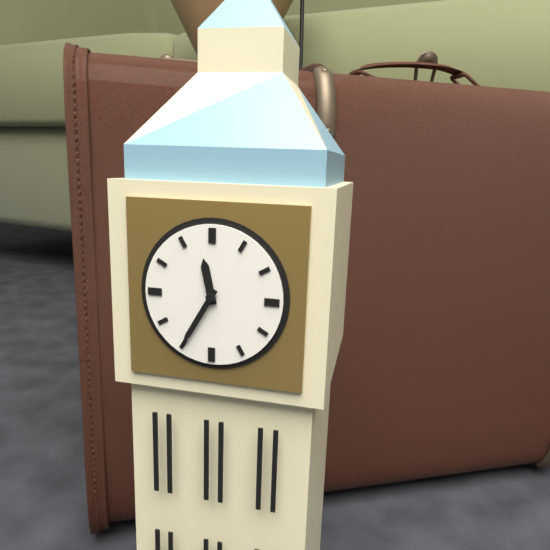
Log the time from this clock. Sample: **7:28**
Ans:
**11:35**
